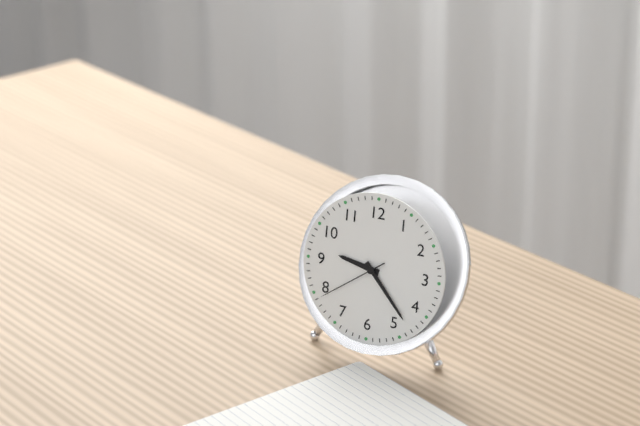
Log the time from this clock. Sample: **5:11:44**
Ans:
**9:23:39**
